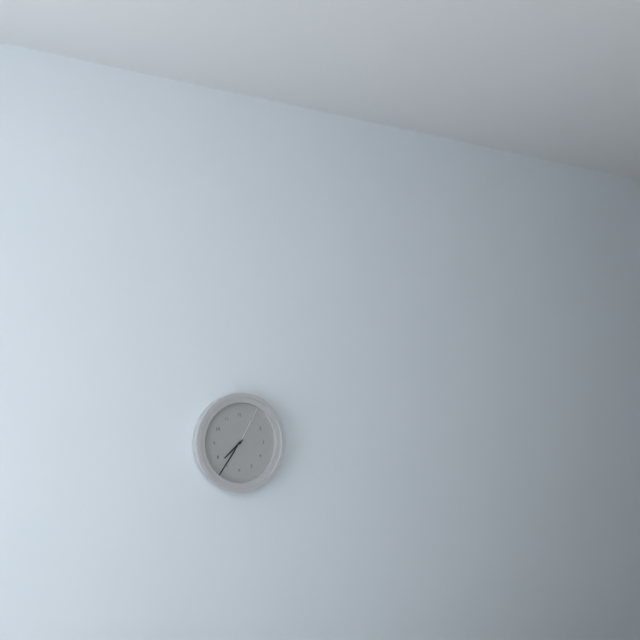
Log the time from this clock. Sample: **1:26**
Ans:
**7:36**
